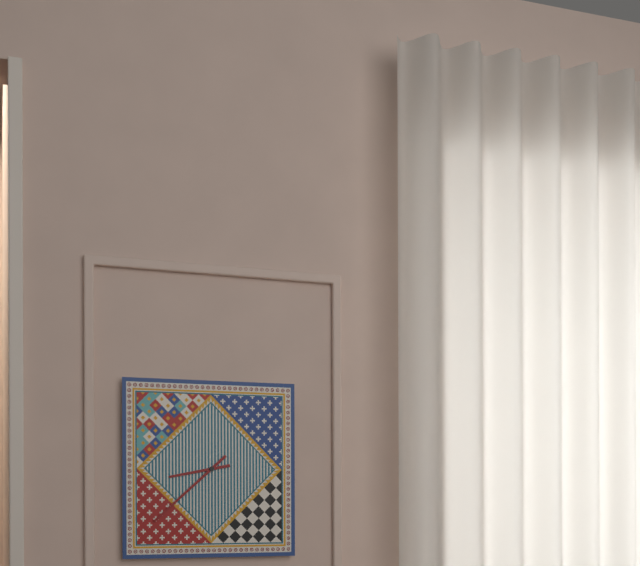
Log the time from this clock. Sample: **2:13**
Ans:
**8:38**
